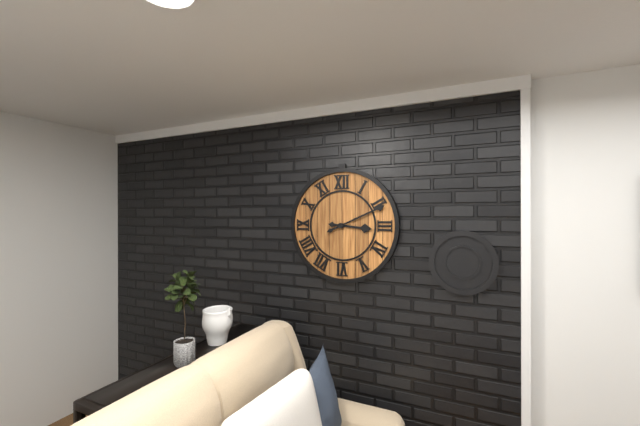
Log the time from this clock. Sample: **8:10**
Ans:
**3:11**
